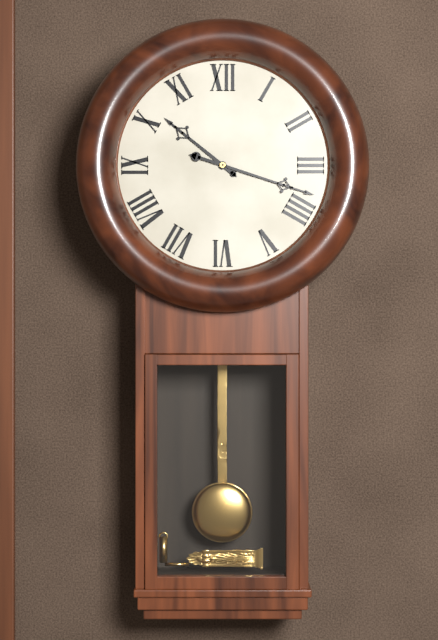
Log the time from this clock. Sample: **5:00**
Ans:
**10:18**
